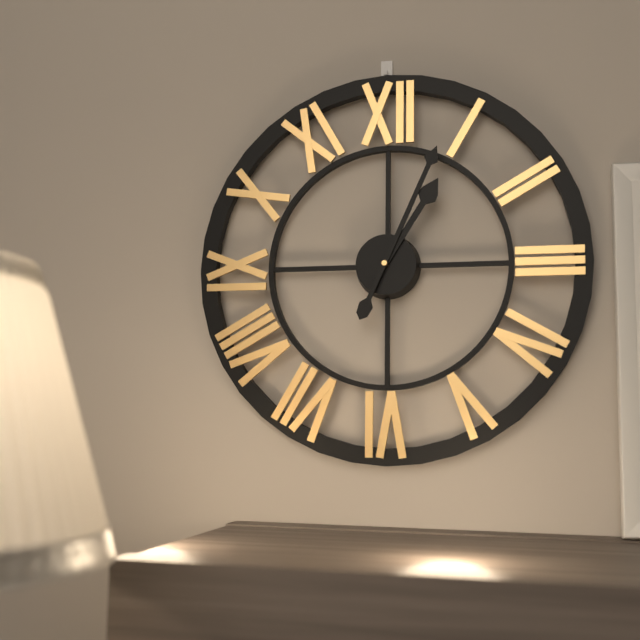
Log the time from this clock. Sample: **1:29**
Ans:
**1:04**
